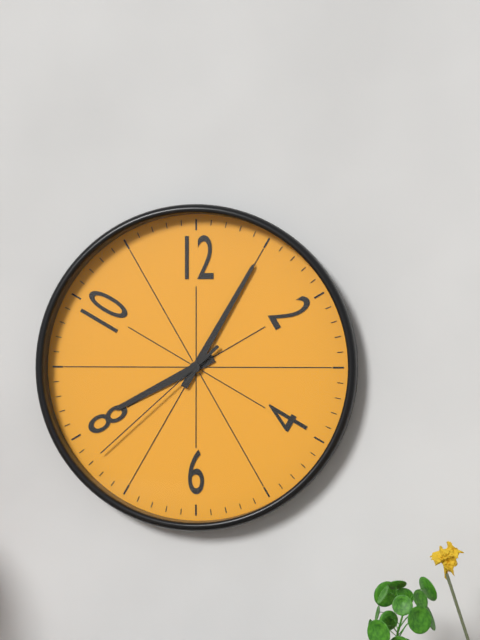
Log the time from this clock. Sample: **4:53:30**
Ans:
**8:05:38**
